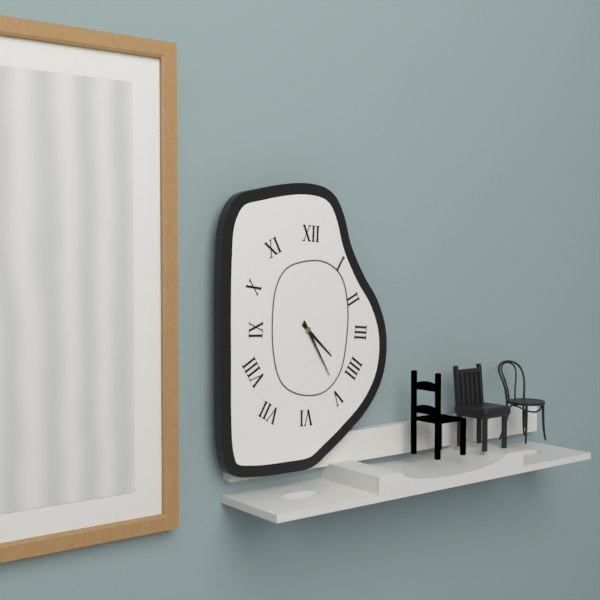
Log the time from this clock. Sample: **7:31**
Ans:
**4:25**
